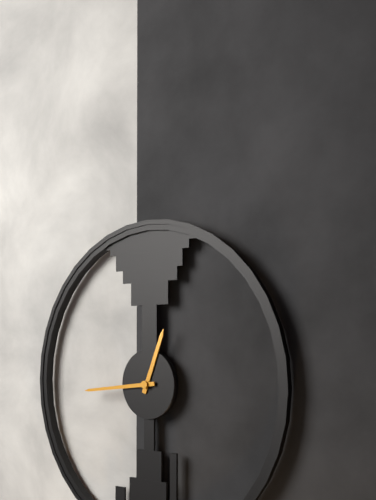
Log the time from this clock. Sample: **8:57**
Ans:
**12:44**
